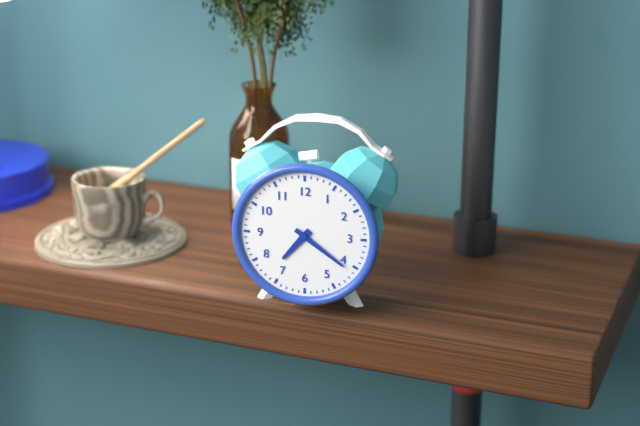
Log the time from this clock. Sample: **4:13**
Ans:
**7:21**
